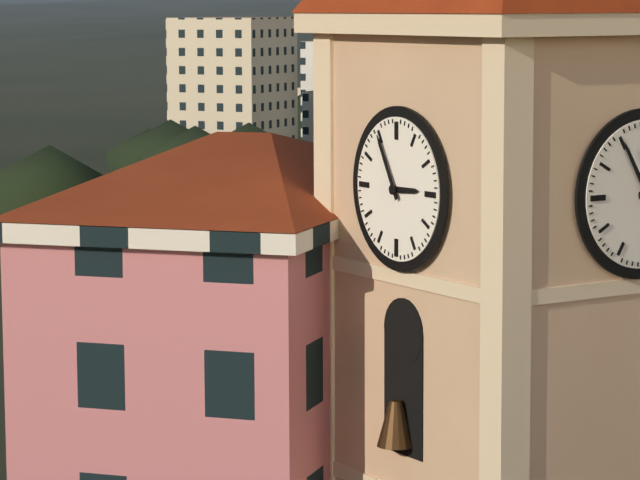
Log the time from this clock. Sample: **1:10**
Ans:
**2:55**
